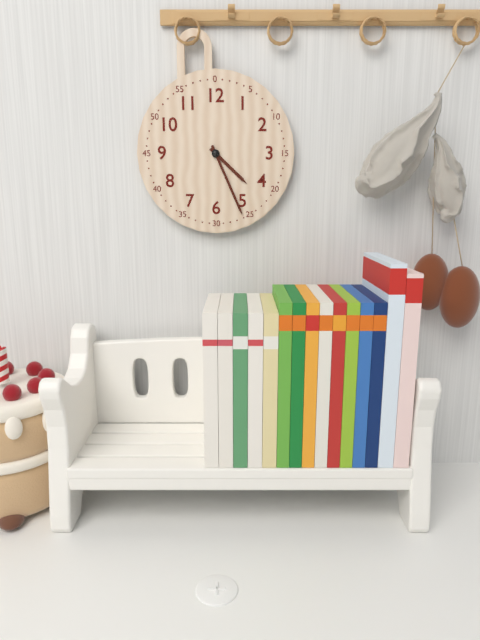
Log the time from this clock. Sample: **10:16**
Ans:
**4:26**
